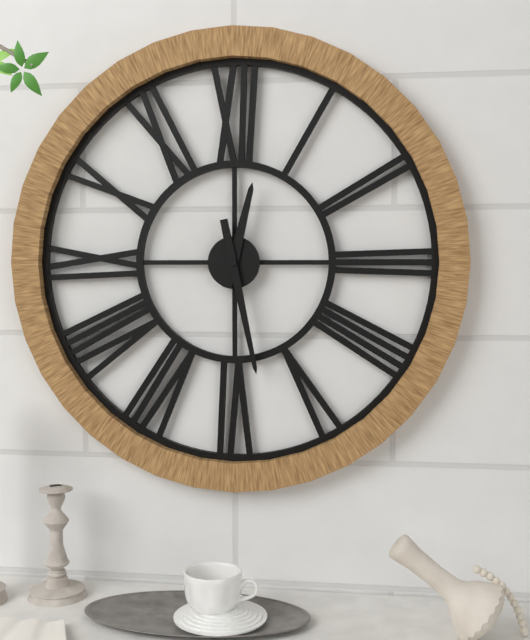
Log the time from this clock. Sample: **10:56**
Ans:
**12:28**
